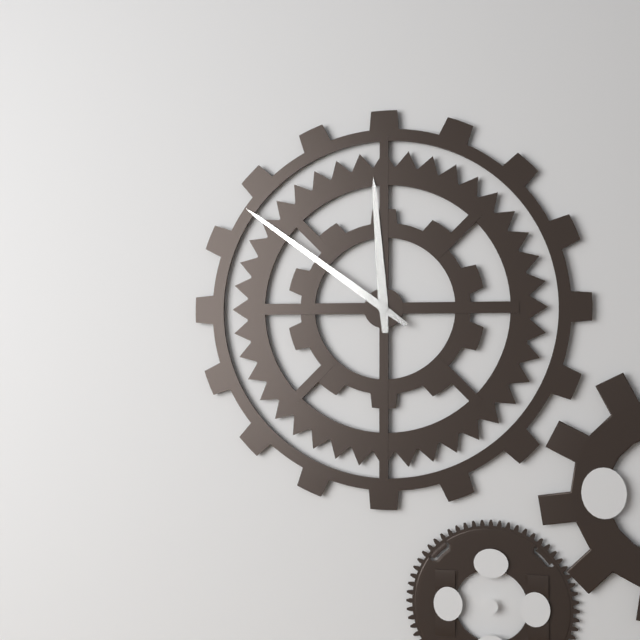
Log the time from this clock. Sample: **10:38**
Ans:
**11:51**
